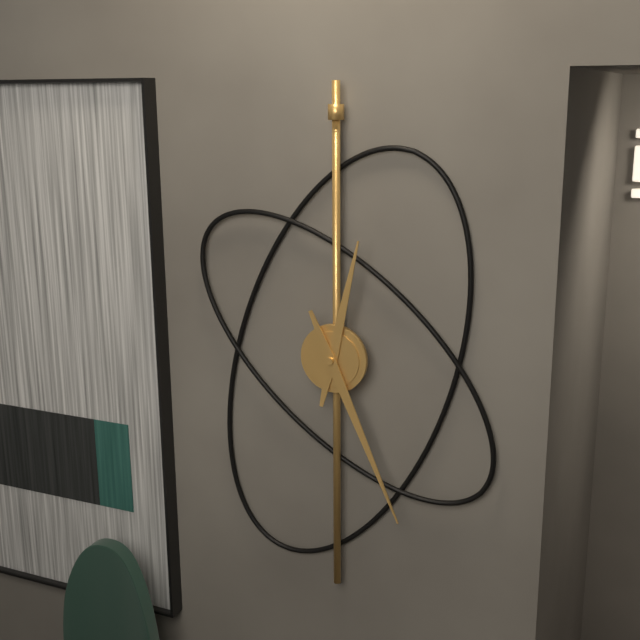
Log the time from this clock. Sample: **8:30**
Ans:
**12:26**
